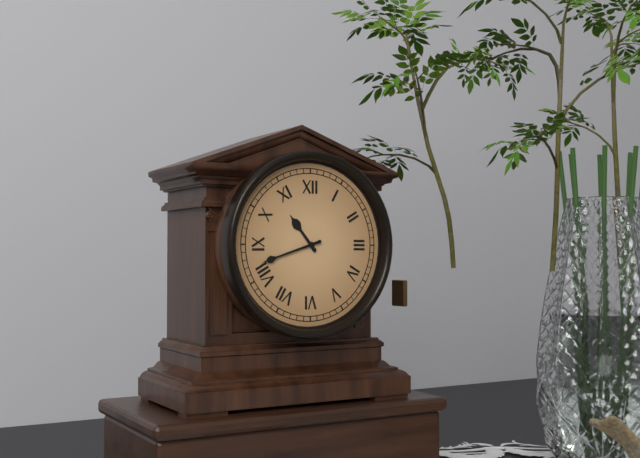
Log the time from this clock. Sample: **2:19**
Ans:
**10:42**
